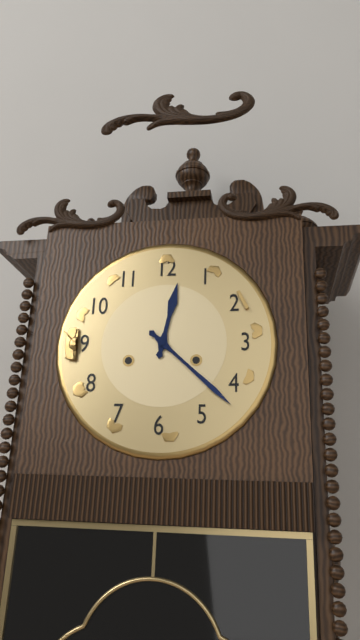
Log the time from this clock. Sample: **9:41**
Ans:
**12:22**
